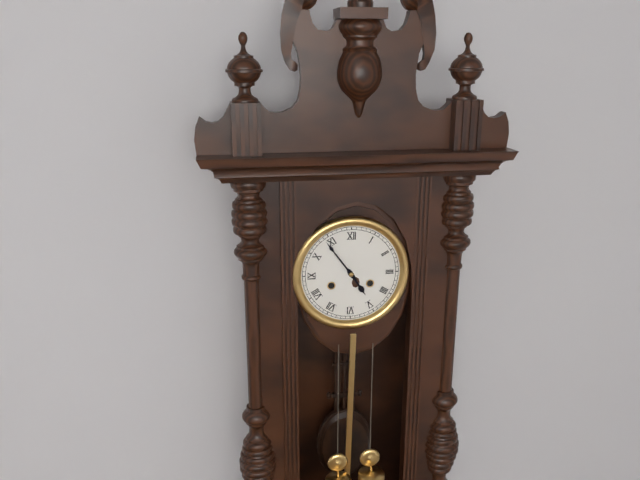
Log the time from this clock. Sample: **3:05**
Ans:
**4:54**
